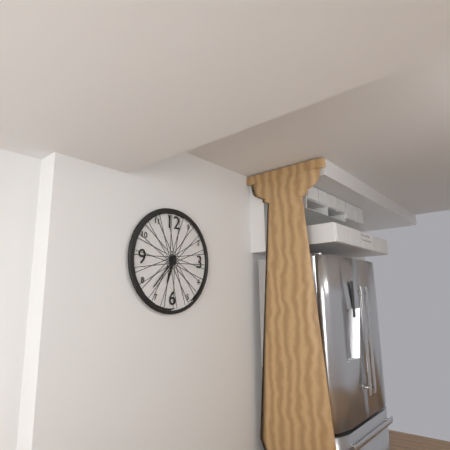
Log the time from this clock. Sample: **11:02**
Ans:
**6:37**
